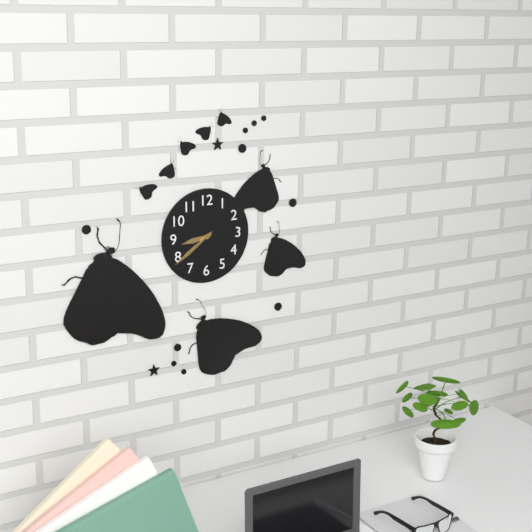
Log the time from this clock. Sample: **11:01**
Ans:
**8:39**
